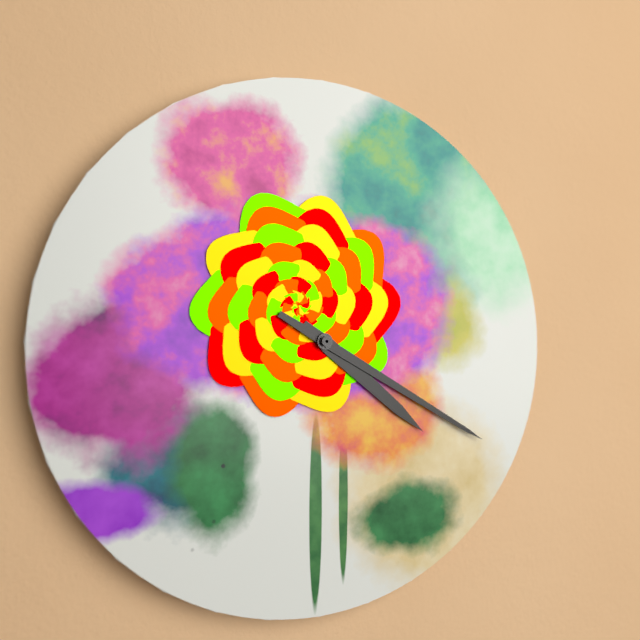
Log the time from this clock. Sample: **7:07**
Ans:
**4:20**
